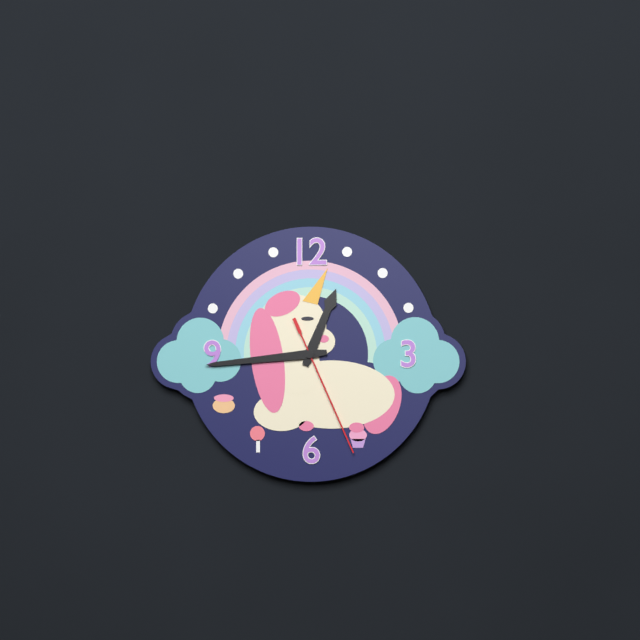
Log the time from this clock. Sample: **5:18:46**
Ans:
**12:44:26**
